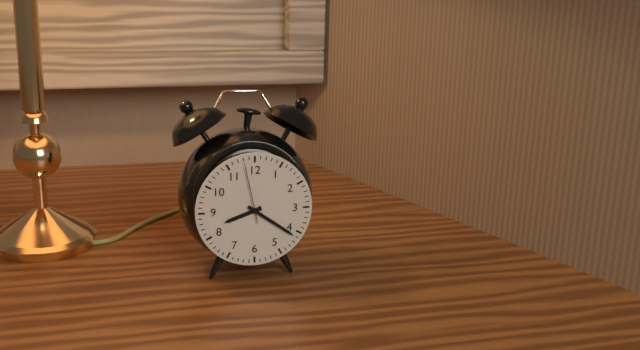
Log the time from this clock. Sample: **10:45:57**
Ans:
**8:21:58**
